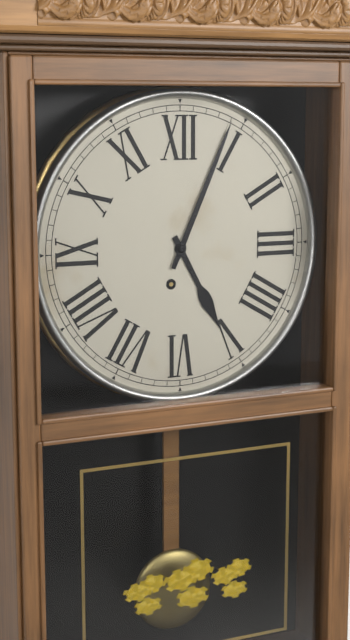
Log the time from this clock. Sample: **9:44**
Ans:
**5:04**
